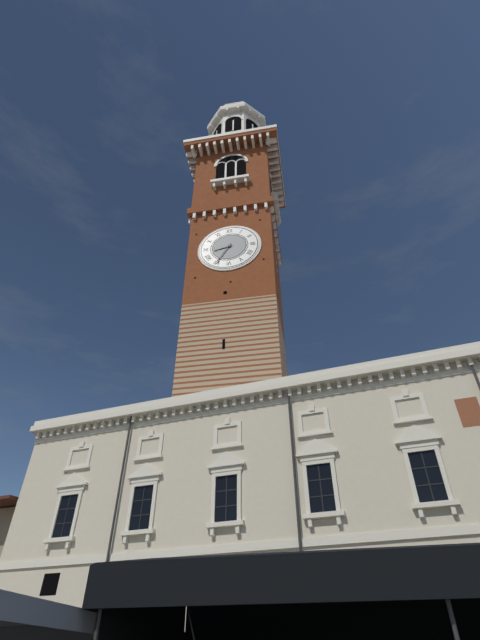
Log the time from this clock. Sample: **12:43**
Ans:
**8:35**
